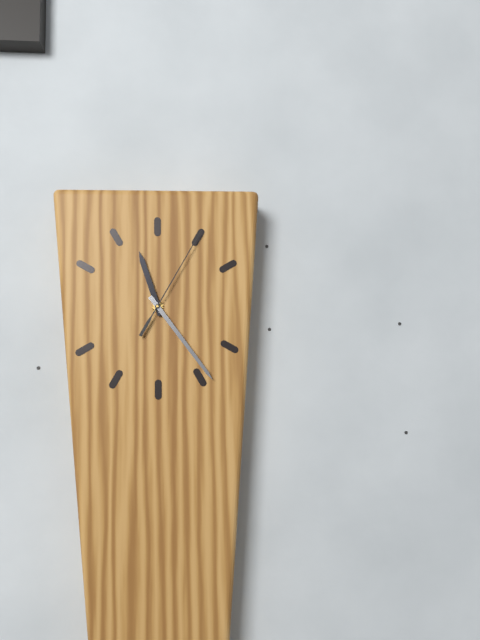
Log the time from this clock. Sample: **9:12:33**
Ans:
**11:24:05**
